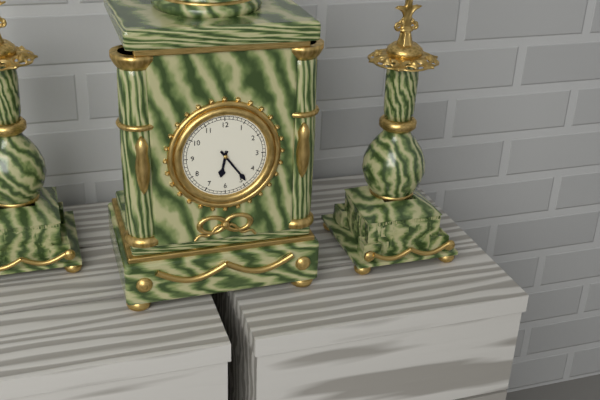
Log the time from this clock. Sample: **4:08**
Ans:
**6:24**
